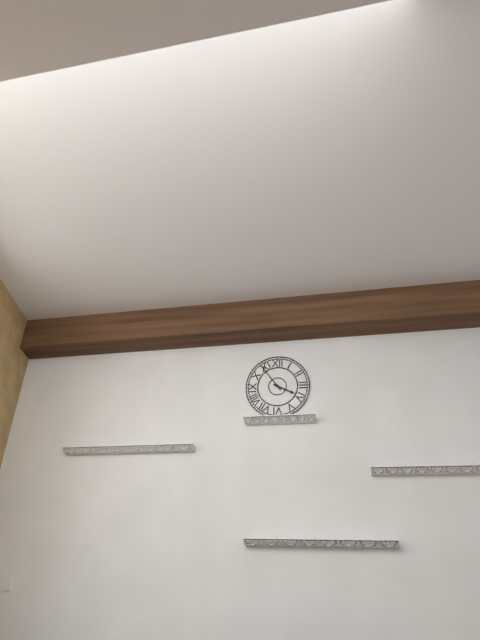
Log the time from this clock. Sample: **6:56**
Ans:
**3:54**
